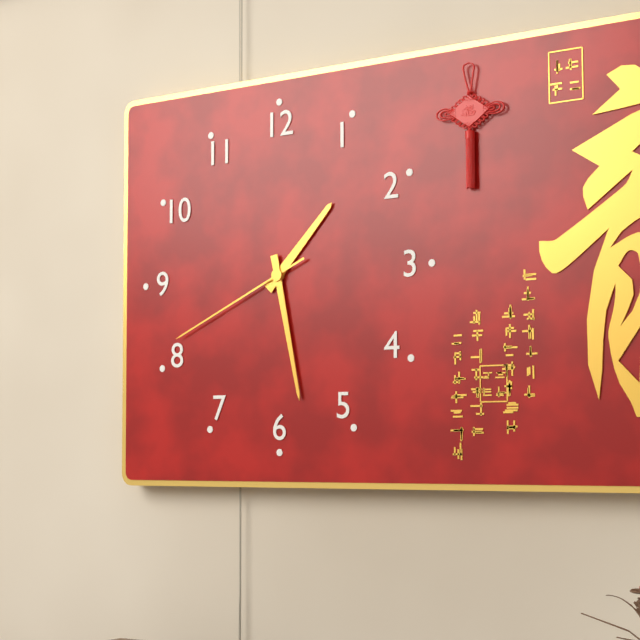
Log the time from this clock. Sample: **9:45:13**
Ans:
**1:28:41**
